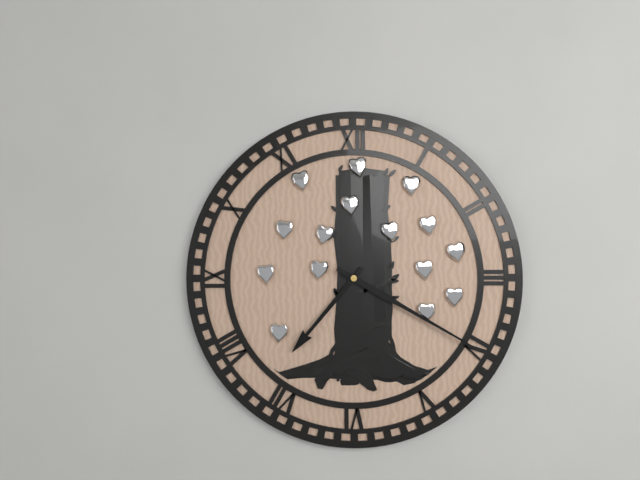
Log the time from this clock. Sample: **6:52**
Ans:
**7:20**
